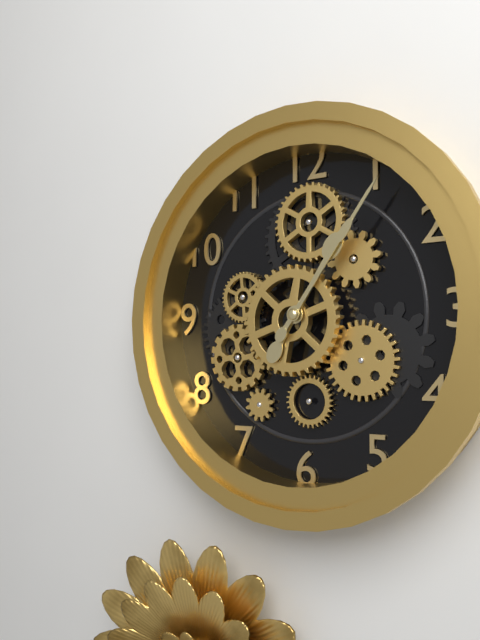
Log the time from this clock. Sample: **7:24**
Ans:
**1:06**
